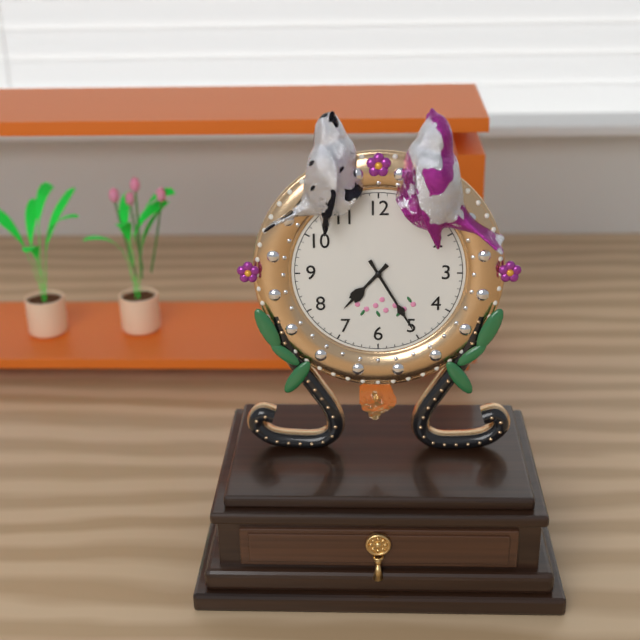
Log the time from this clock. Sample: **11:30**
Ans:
**7:25**
